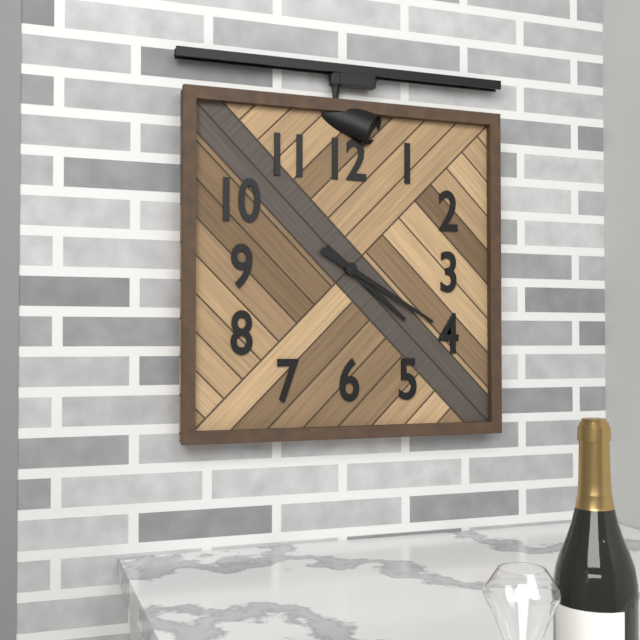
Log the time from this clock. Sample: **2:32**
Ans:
**4:20**
